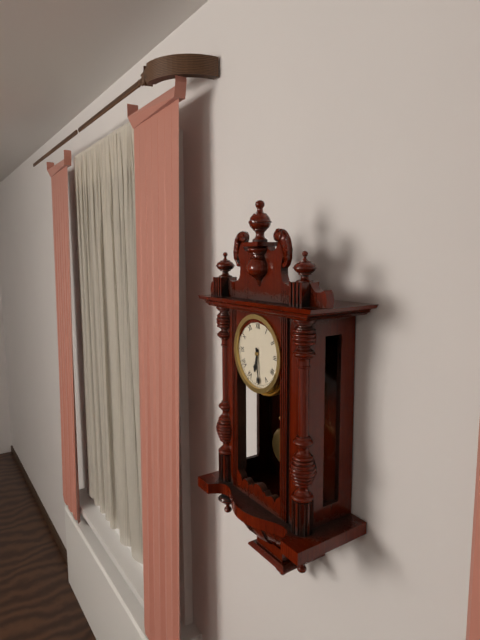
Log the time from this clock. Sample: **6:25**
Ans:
**6:29**
